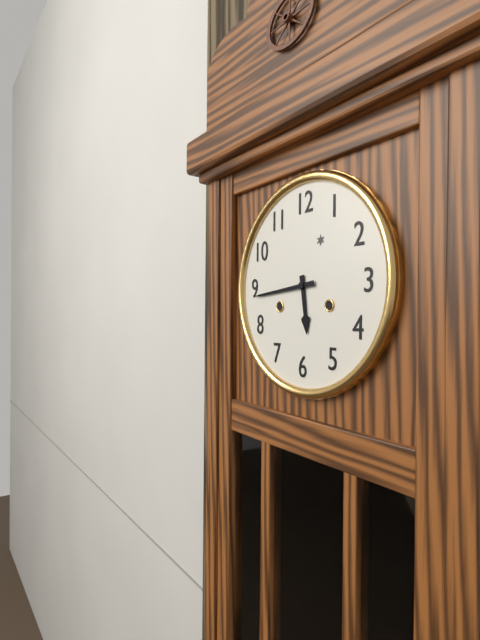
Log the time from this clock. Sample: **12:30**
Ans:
**5:44**
